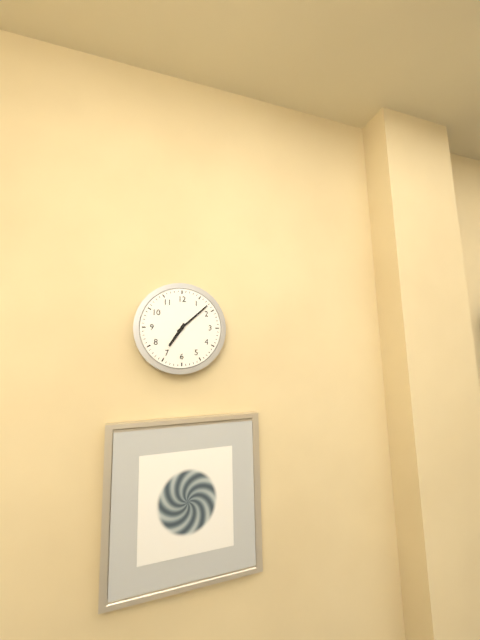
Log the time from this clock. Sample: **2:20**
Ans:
**7:08**
